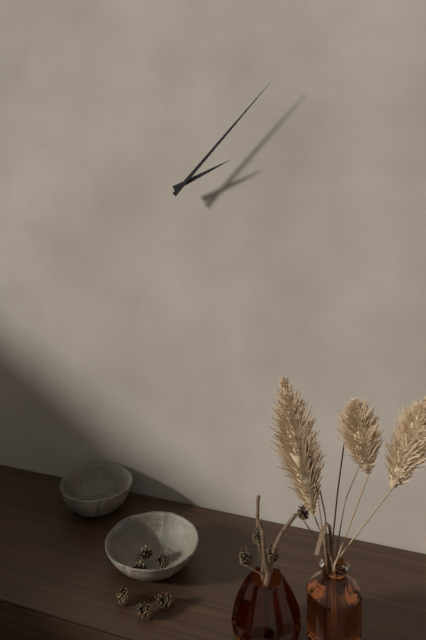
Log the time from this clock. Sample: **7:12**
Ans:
**2:07**
